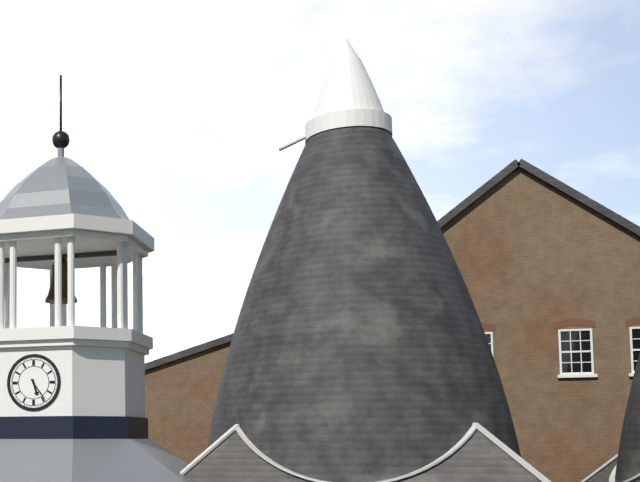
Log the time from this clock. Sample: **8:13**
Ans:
**5:24**
